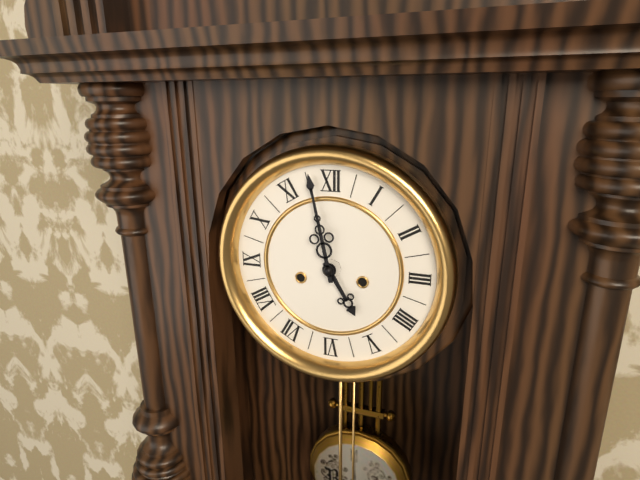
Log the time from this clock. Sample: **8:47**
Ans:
**4:58**
